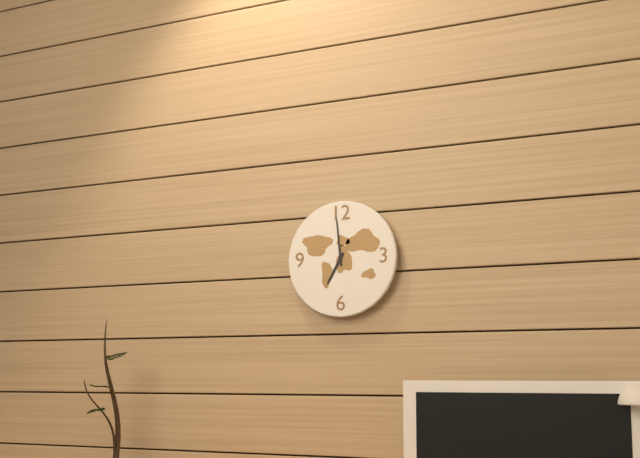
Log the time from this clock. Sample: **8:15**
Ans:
**6:59**
